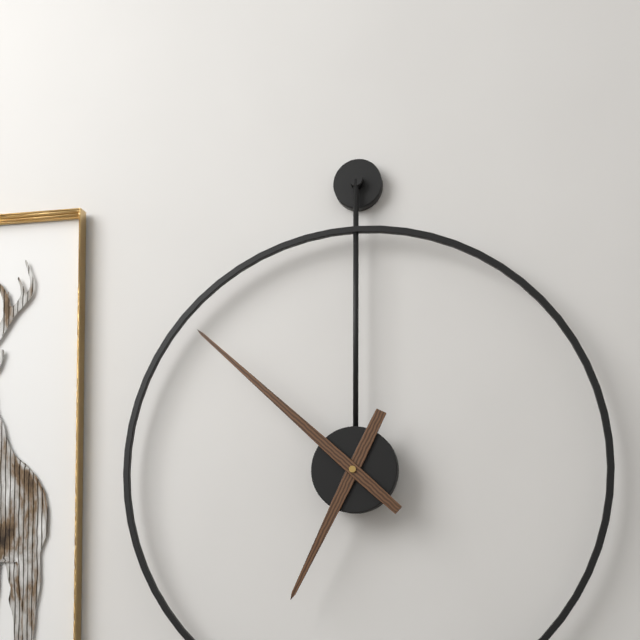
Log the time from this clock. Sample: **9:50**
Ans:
**6:52**
